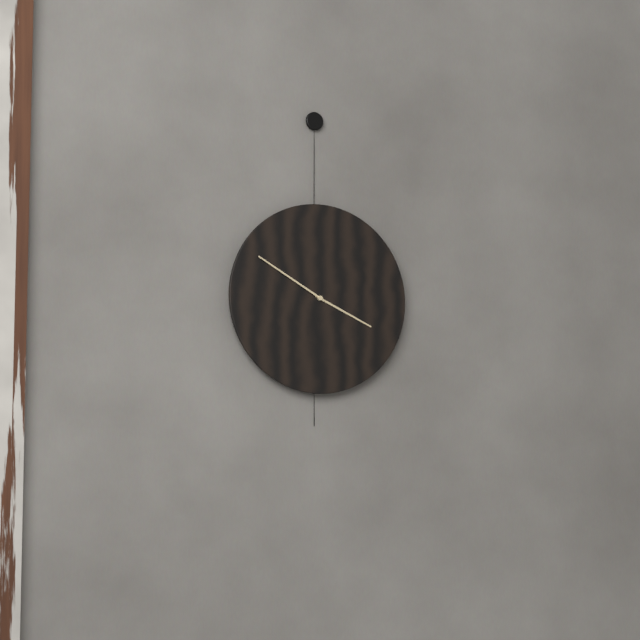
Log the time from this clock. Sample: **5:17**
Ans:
**3:50**
